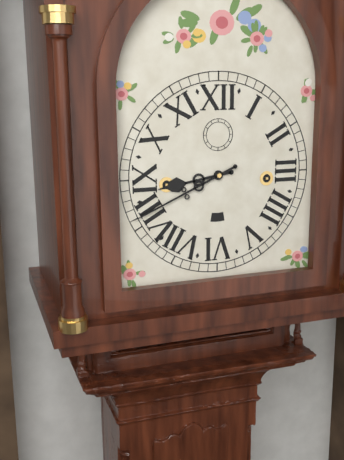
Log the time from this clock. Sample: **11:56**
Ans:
**8:41**
